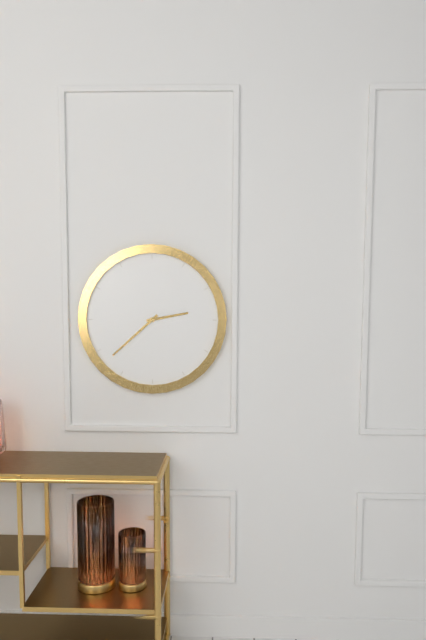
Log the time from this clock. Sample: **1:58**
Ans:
**2:38**
